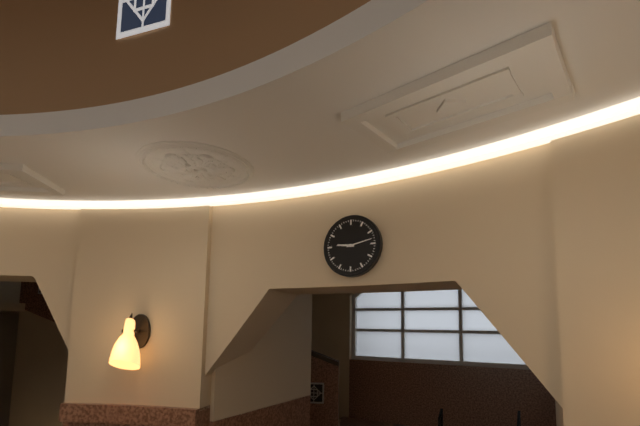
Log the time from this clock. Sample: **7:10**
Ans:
**9:13**
